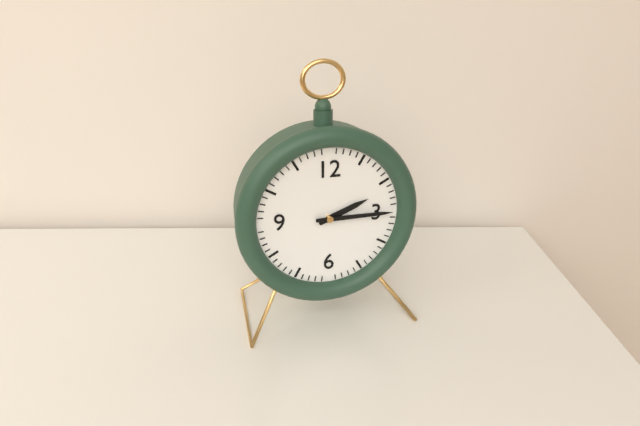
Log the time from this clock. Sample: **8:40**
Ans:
**2:15**
